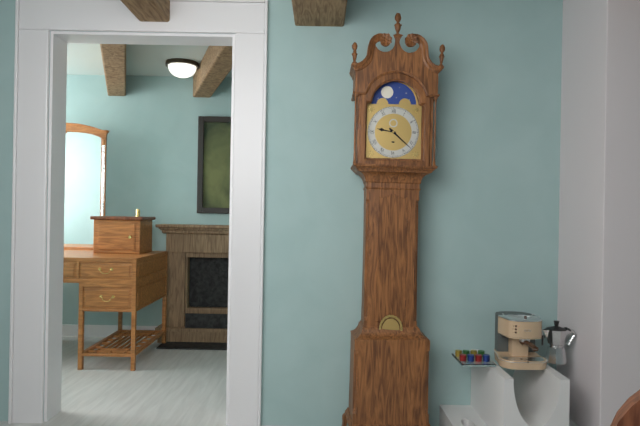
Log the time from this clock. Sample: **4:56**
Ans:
**9:22**
